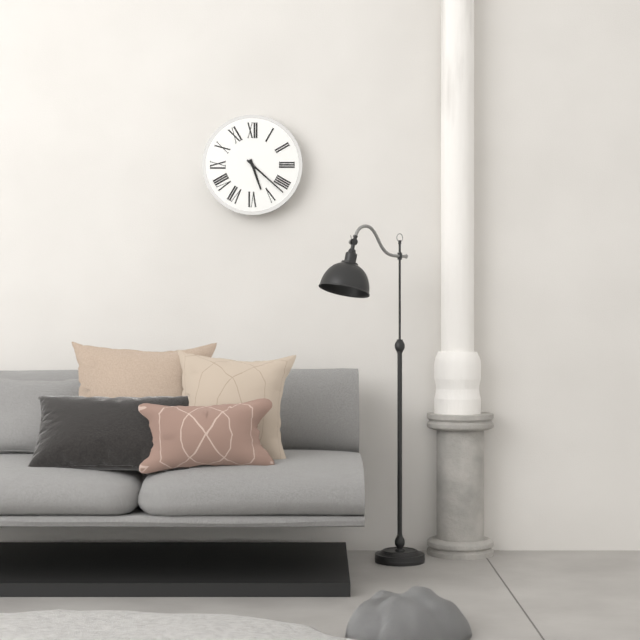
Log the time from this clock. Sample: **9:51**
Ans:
**5:22**
